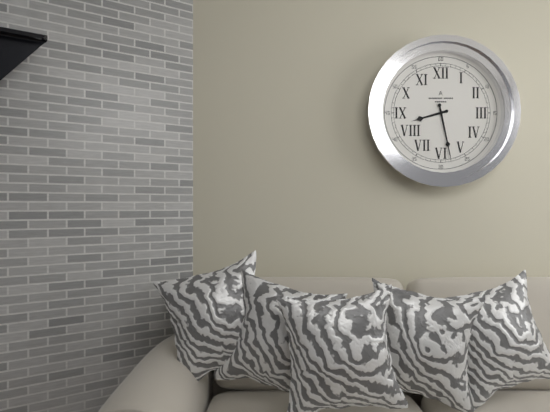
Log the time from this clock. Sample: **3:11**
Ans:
**8:28**
